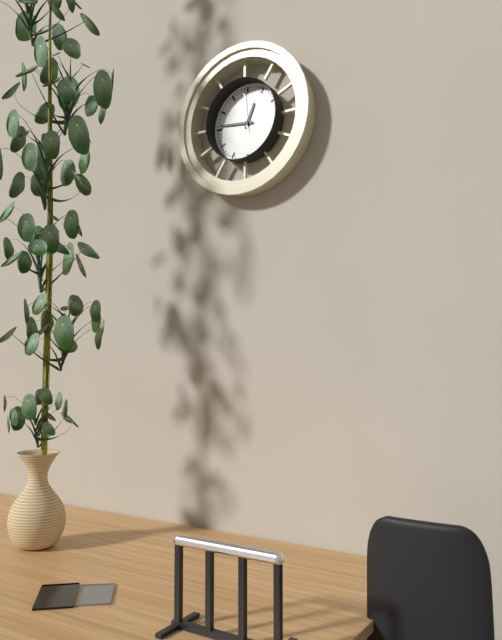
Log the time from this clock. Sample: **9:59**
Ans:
**12:46**
